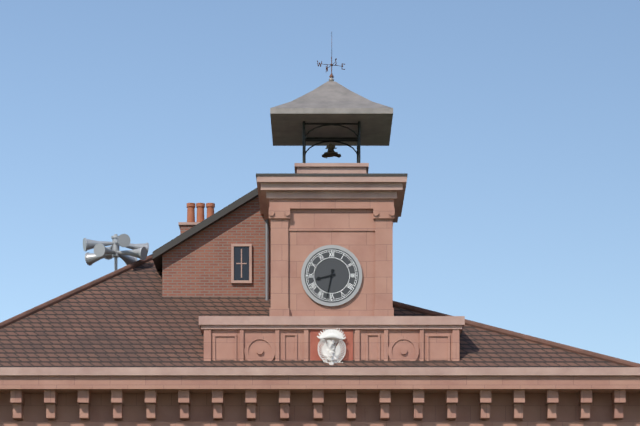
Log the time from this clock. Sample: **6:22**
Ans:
**8:32**
